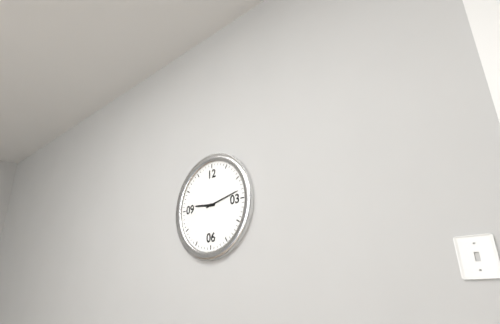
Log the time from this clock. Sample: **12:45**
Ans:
**9:13**
